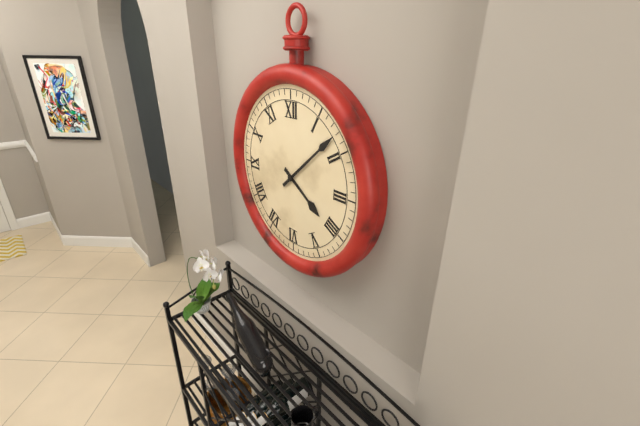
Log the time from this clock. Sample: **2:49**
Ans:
**4:08**
